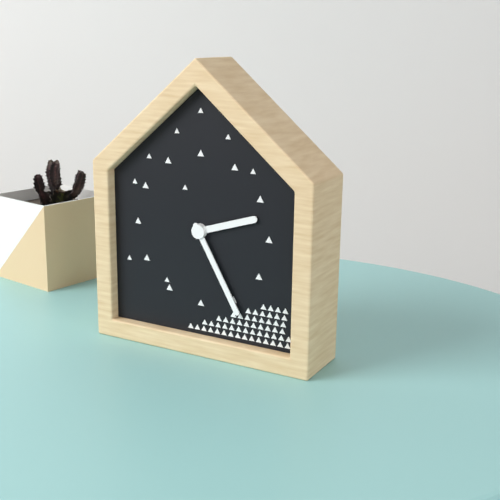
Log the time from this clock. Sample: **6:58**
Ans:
**2:25**
